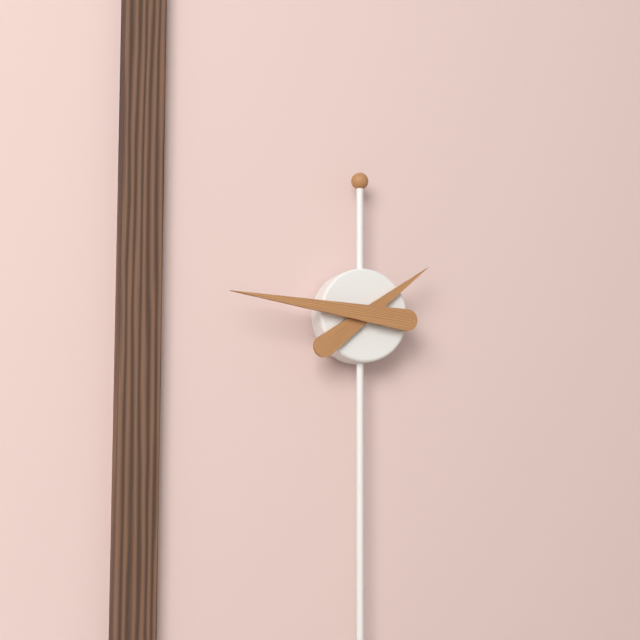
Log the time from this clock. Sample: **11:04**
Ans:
**1:46**
